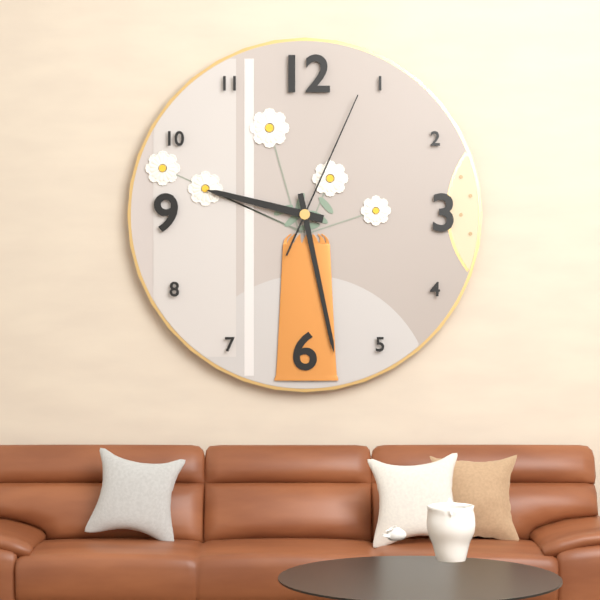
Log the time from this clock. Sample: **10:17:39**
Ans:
**9:28:04**
